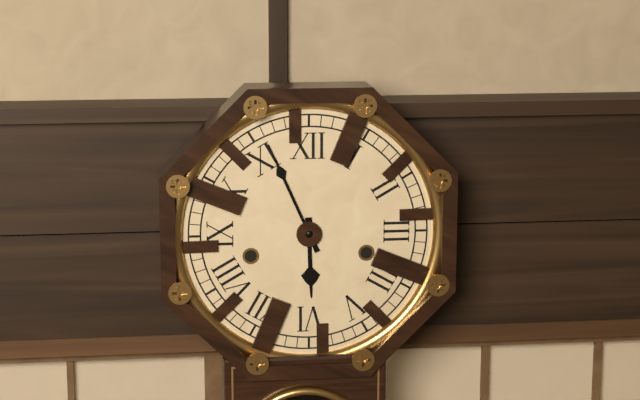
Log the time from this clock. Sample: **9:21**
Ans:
**5:56**
